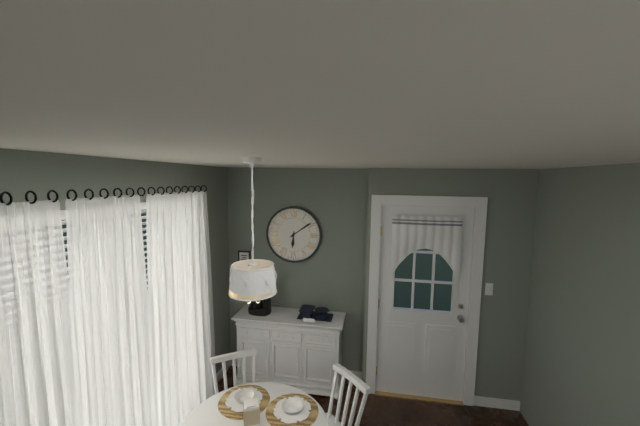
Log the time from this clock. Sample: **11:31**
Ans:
**6:09**
